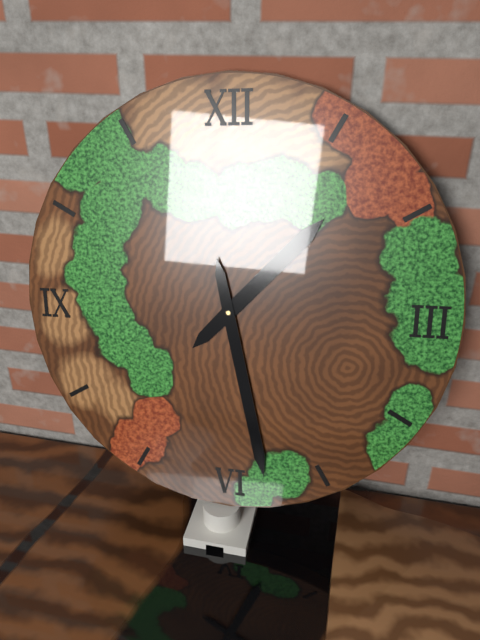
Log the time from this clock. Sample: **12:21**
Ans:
**1:28**
